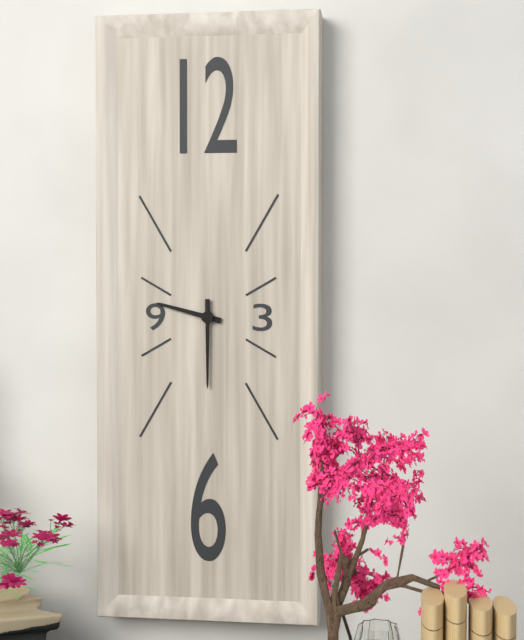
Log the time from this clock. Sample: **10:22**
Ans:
**9:30**
